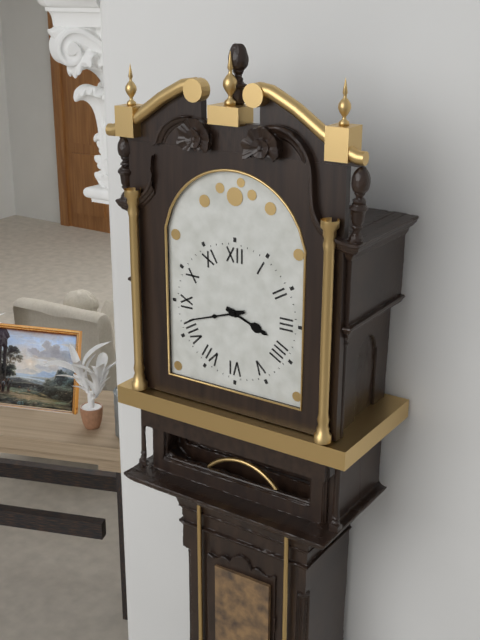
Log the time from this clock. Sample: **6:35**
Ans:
**3:42**
